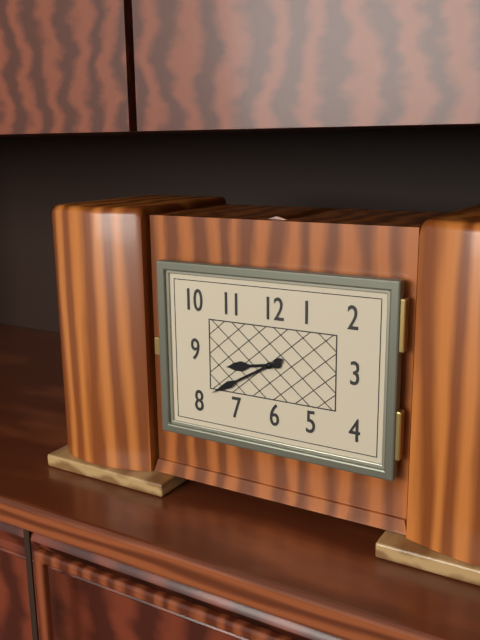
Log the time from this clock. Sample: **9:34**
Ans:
**8:40**
